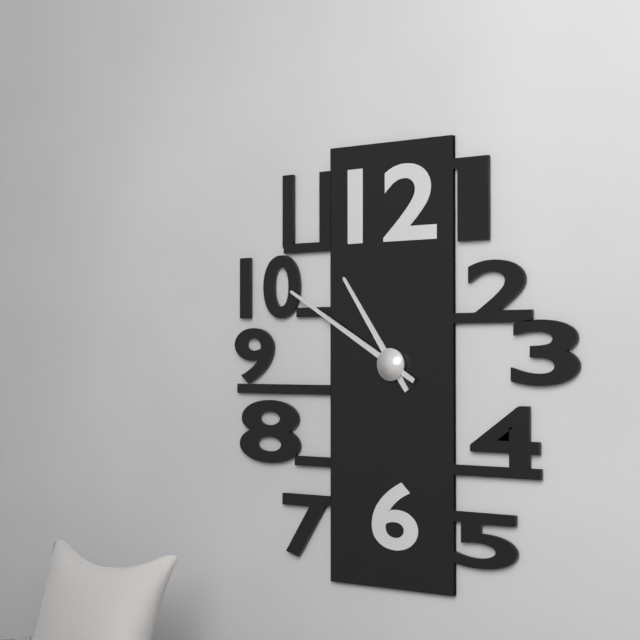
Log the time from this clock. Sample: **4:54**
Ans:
**10:50**
